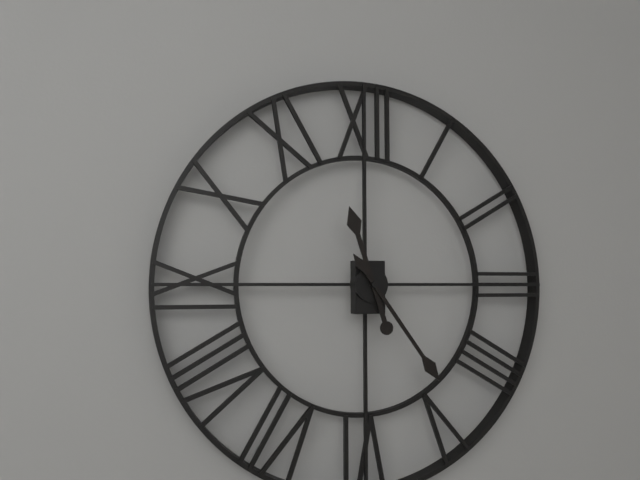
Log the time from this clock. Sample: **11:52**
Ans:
**11:24**
